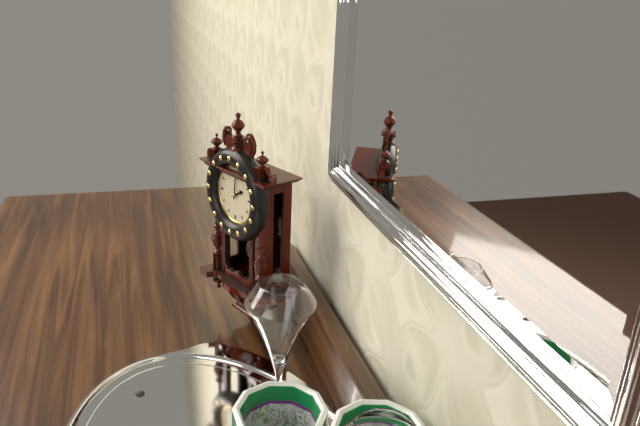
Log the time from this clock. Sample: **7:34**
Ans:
**2:01**
